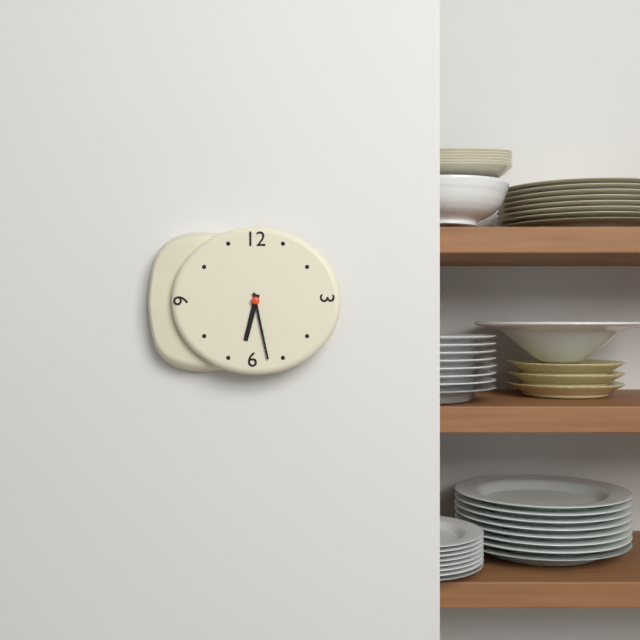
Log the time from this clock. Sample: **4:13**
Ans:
**6:28**
